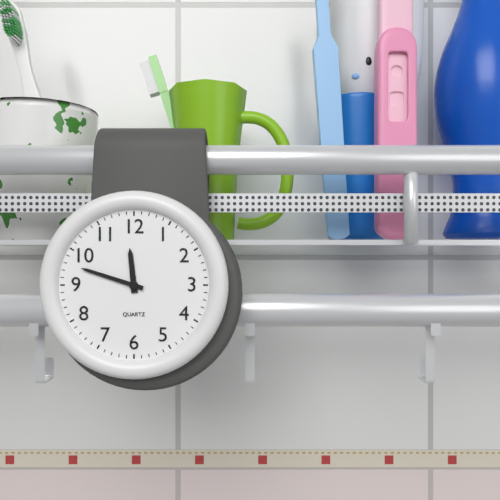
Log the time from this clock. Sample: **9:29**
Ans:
**11:48**
